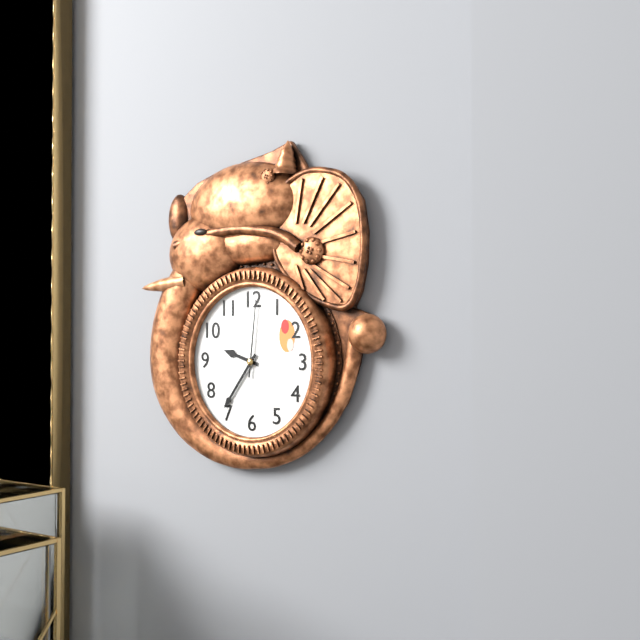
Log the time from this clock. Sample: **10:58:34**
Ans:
**9:36:01**
